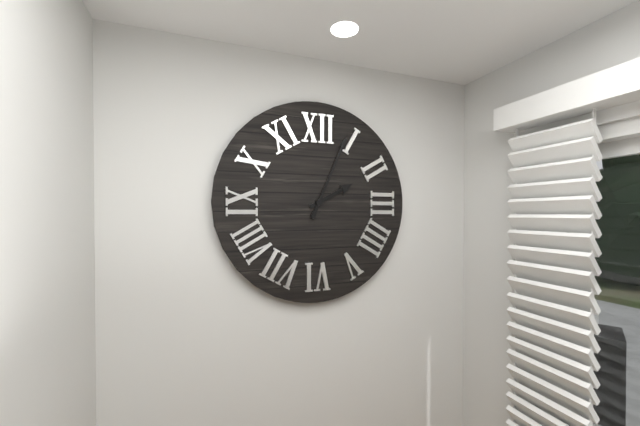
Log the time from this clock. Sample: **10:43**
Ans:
**2:04**
